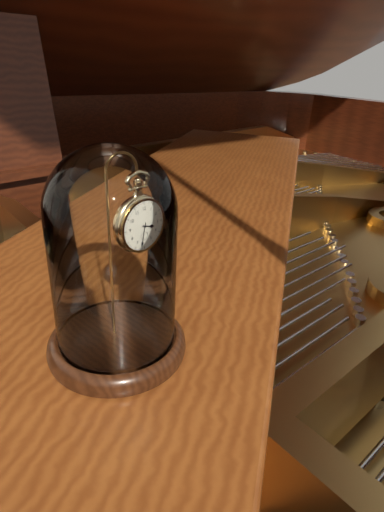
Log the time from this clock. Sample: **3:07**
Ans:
**3:32**
